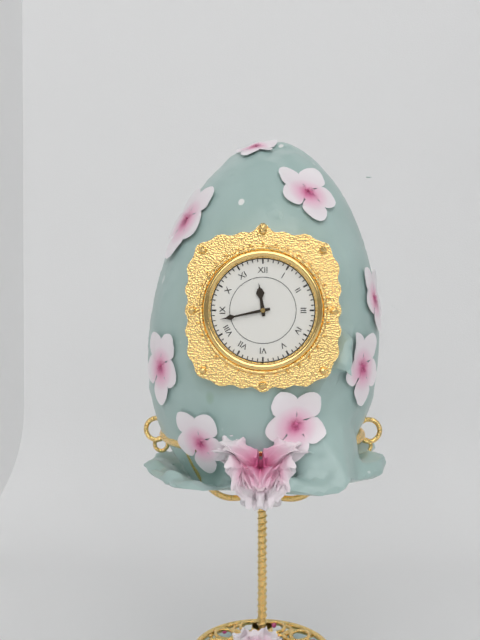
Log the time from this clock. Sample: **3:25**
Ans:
**11:43**
